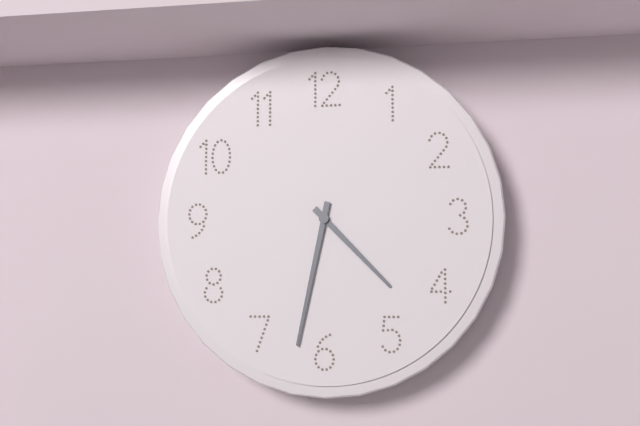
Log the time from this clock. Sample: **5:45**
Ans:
**4:32**
